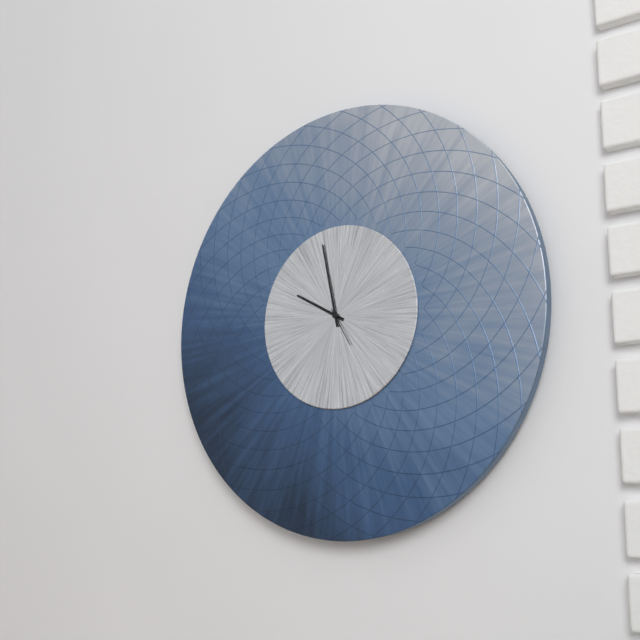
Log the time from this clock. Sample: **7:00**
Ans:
**9:58**
